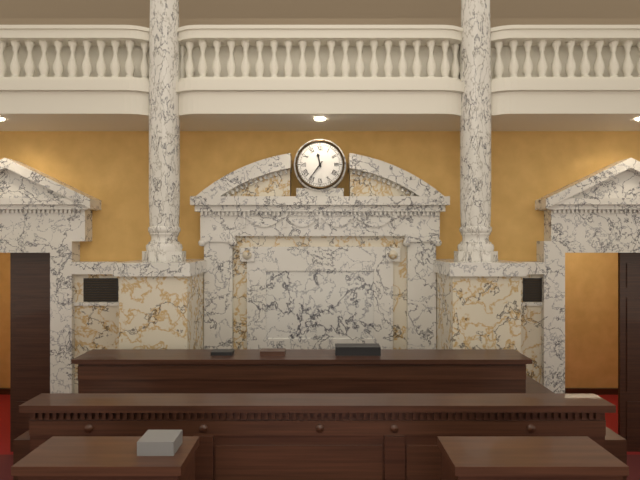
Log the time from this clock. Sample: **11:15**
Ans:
**11:36**
